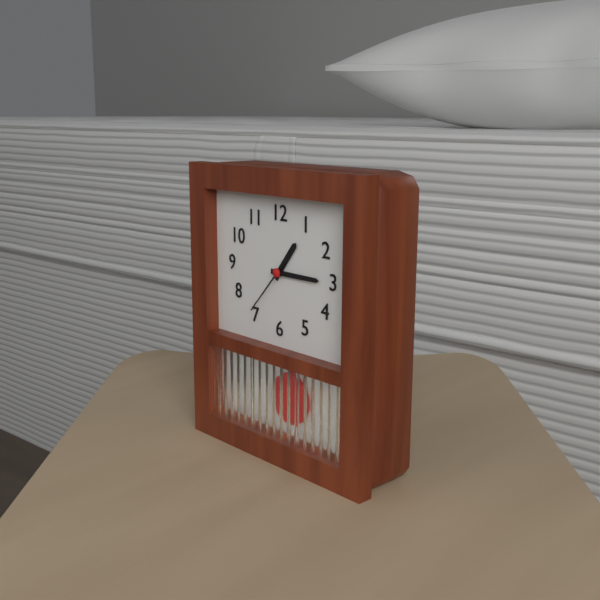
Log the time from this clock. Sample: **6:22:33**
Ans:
**1:15:37**
